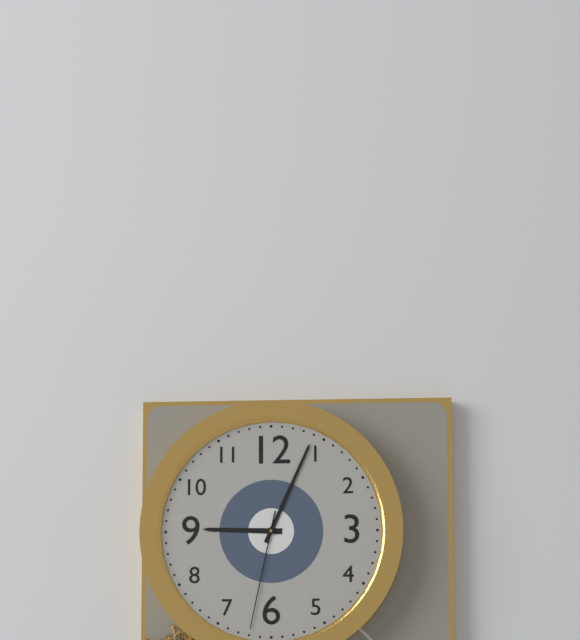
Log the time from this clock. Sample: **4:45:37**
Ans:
**9:04:32**
